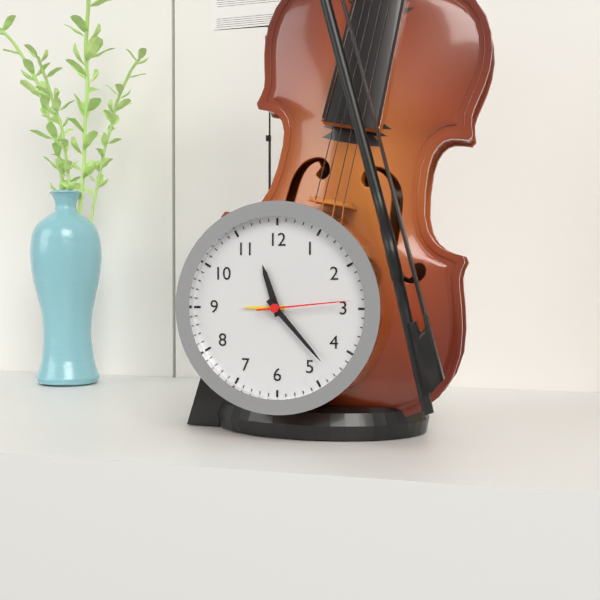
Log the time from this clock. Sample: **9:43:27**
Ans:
**11:23:14**
